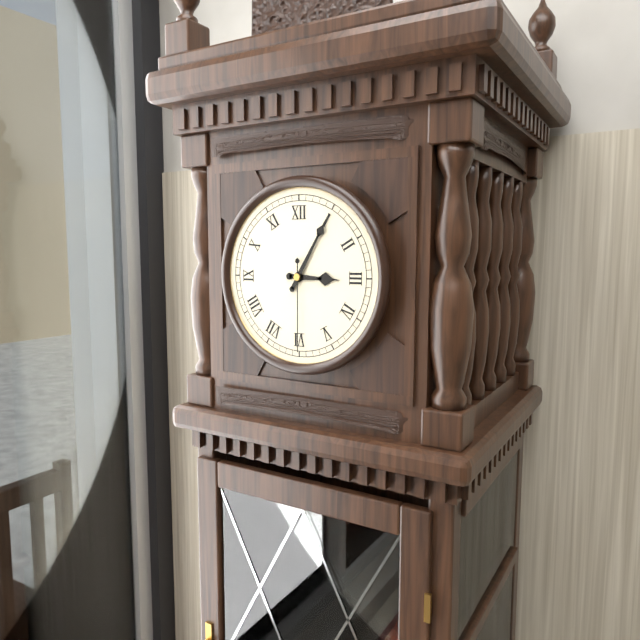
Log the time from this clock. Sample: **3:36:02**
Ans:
**3:05:30**
